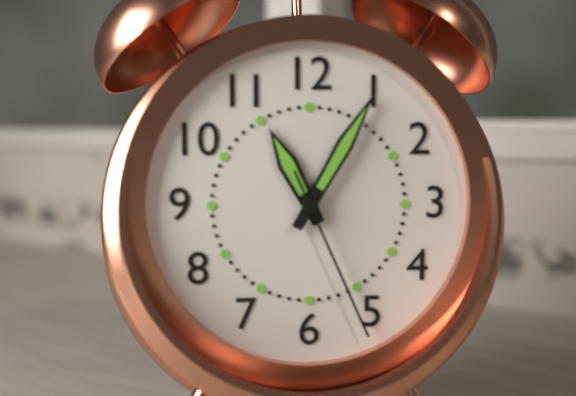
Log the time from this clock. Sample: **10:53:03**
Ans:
**11:05:26**
